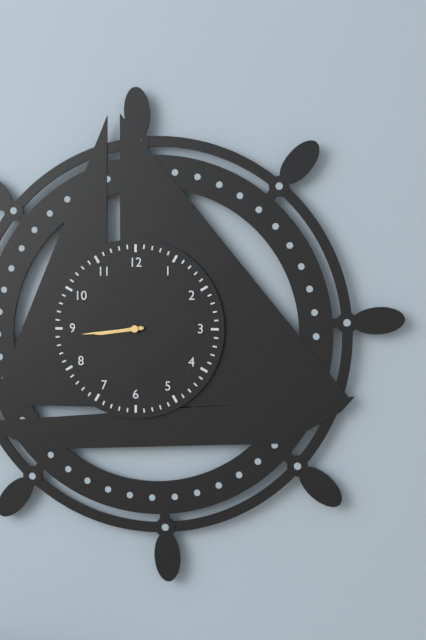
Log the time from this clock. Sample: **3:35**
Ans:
**8:44**
